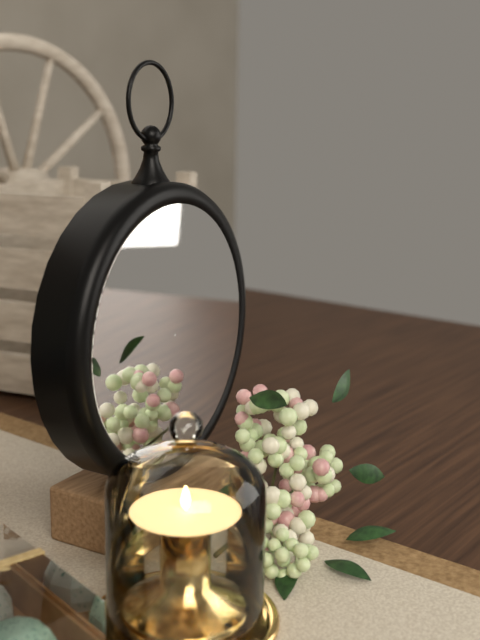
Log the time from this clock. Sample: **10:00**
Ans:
**6:04**
